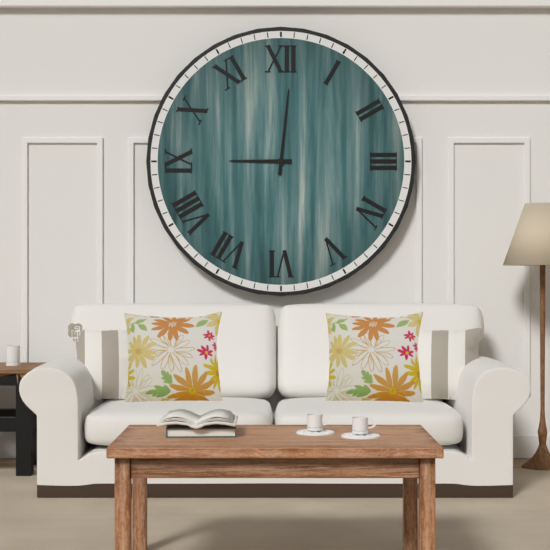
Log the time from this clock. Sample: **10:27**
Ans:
**9:01**
